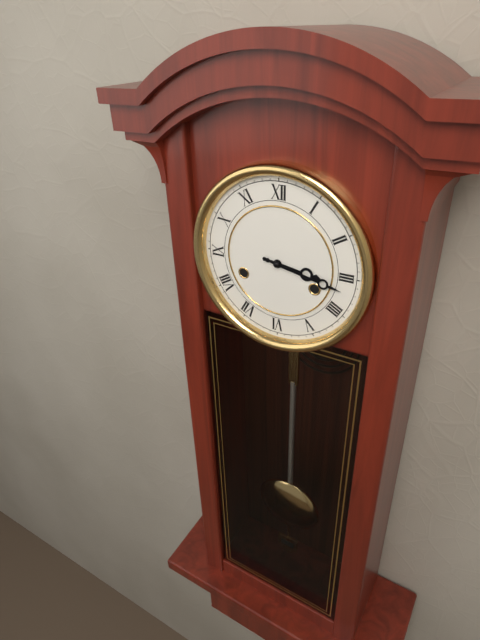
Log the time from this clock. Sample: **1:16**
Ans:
**3:17**
